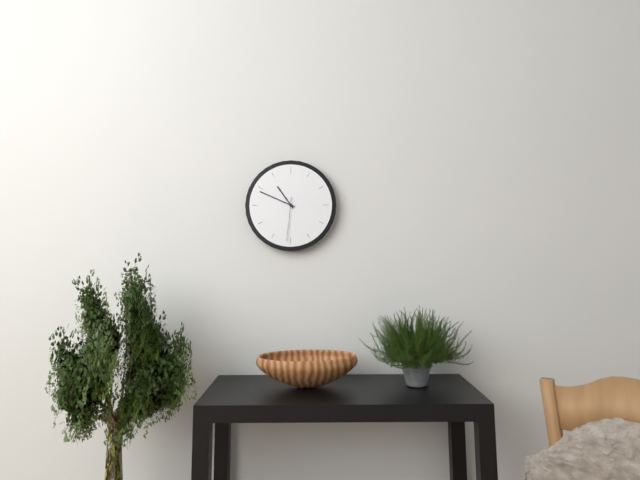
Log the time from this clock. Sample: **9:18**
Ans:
**10:49**
